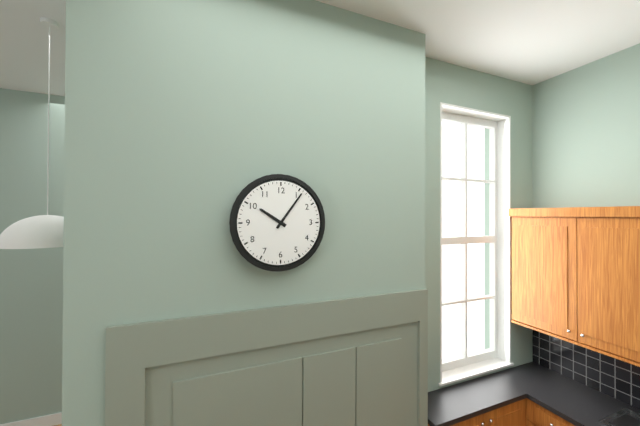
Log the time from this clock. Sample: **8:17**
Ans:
**10:06**
